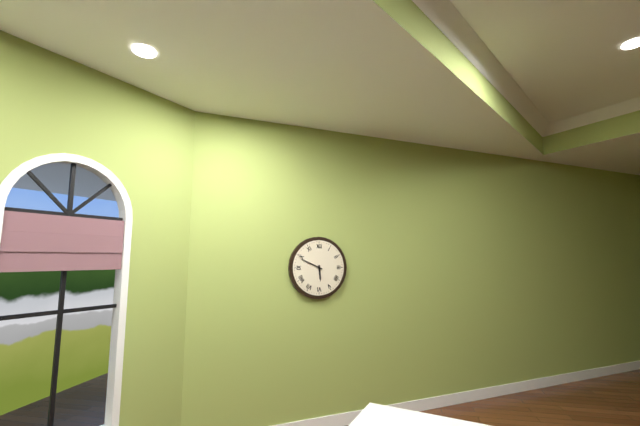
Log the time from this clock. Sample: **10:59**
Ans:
**5:49**
